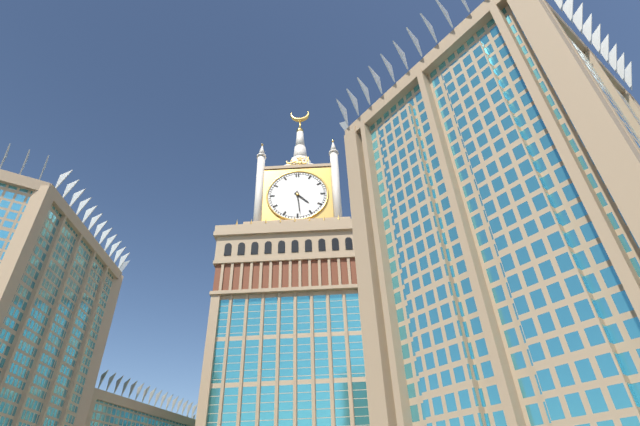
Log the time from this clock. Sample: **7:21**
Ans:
**4:29**
